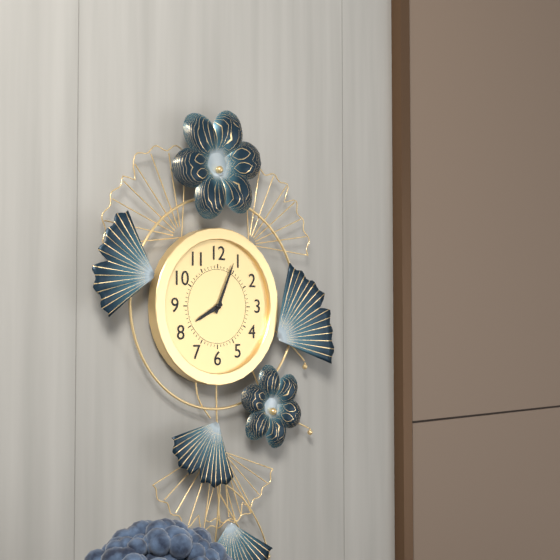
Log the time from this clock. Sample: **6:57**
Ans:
**8:04**
